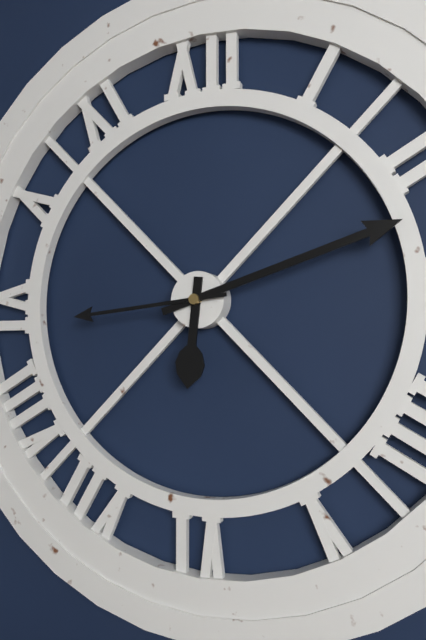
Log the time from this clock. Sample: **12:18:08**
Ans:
**6:12:44**
